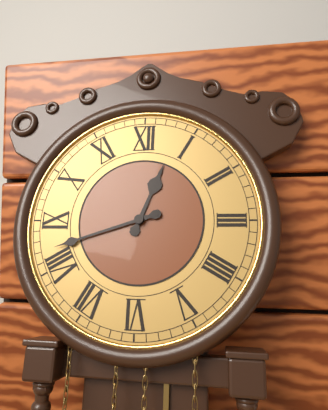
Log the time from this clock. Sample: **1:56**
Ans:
**12:42**
